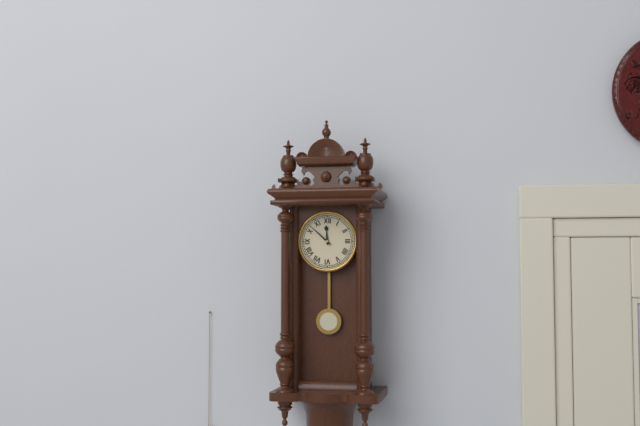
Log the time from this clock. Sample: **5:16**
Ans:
**11:52**
